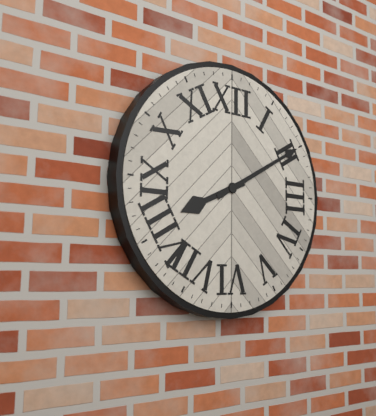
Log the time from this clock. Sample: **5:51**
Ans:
**8:10**
